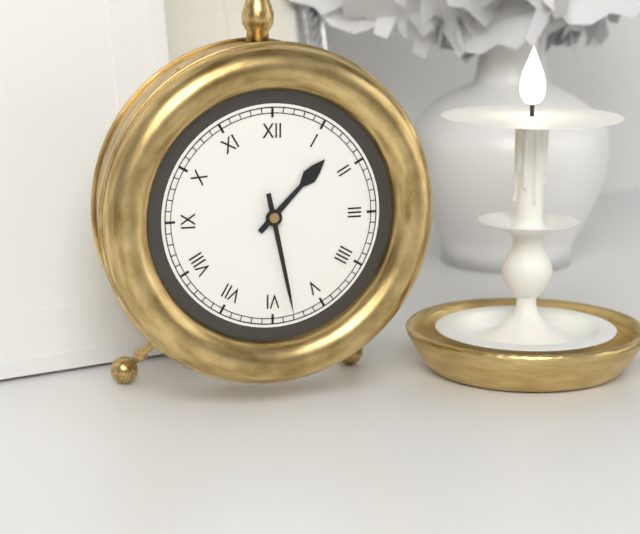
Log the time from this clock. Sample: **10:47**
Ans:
**1:28**
